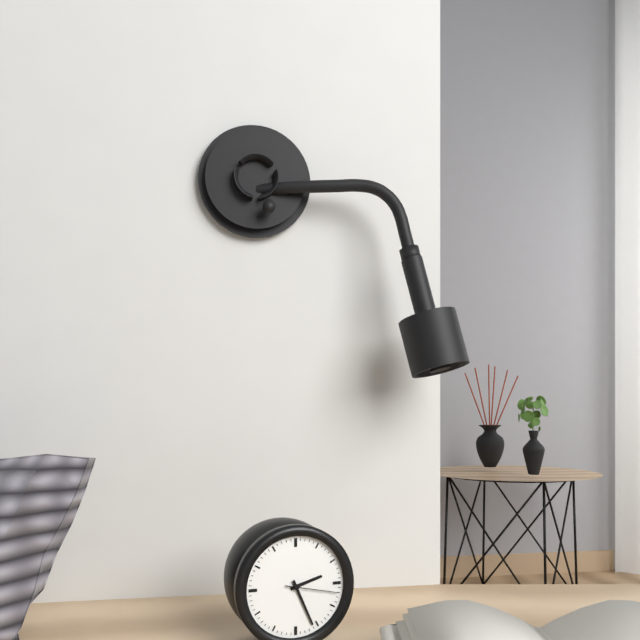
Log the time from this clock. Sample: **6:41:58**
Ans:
**2:26:17**
